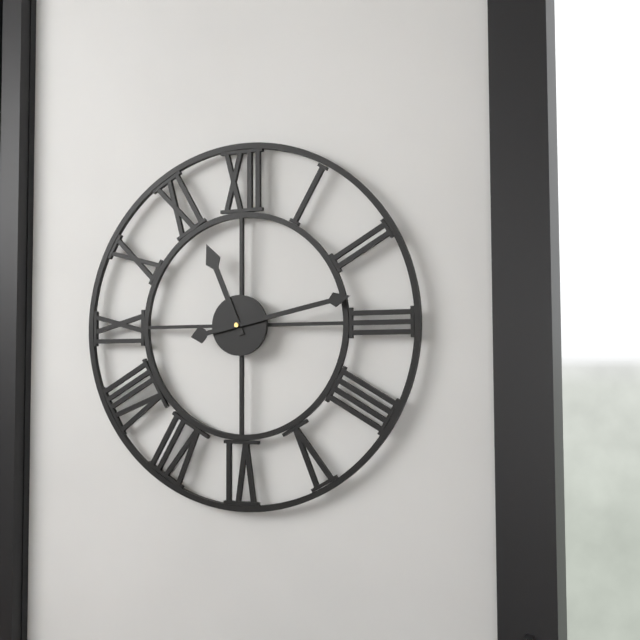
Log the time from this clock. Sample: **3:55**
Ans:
**11:13**
